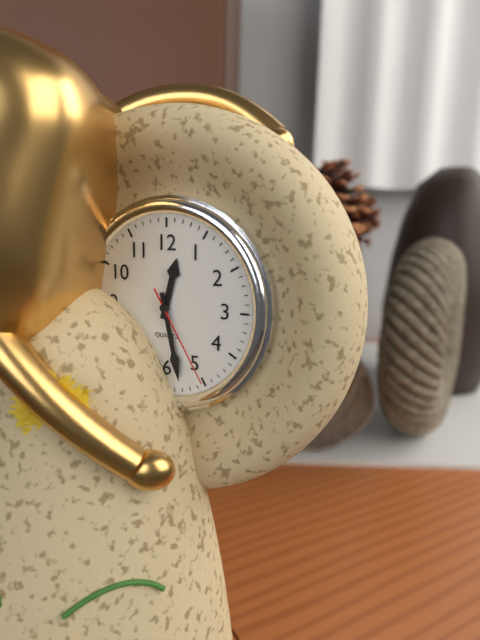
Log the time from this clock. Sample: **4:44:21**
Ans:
**12:28:25**
